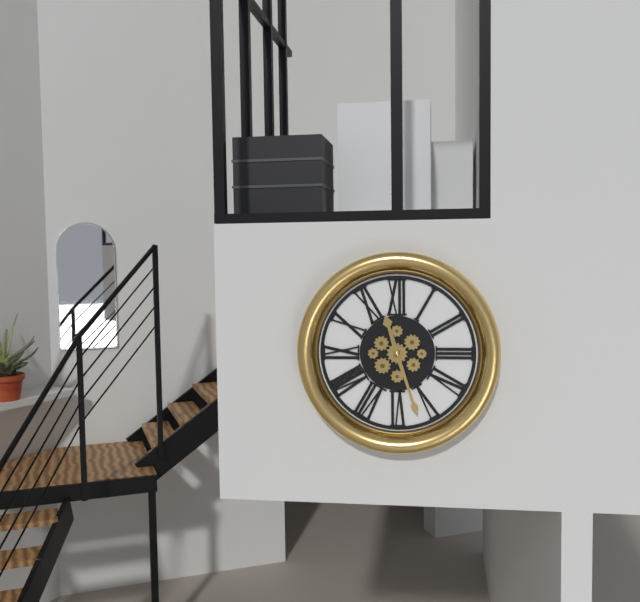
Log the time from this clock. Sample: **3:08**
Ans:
**11:27**
